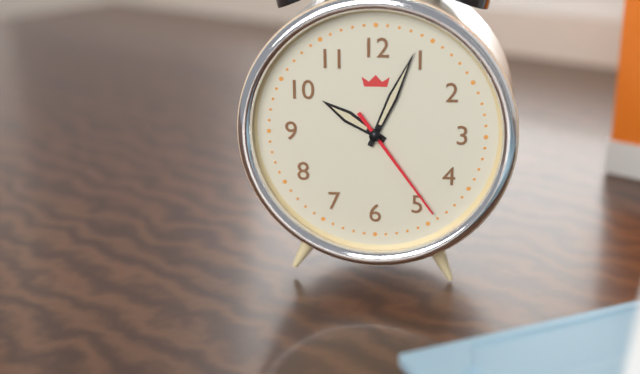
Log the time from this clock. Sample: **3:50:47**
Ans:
**10:04:24**
